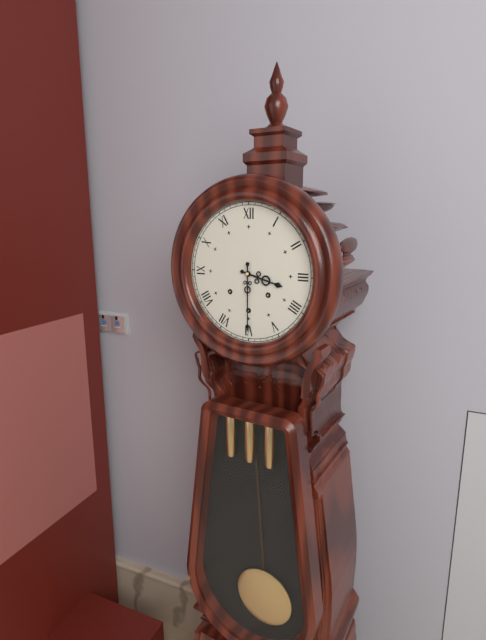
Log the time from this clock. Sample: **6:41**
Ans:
**3:30**
